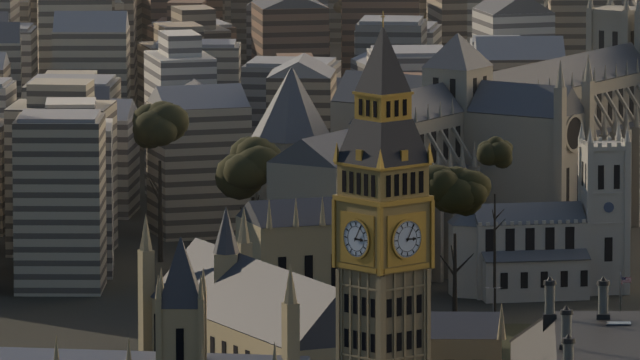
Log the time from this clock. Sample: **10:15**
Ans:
**3:05**
